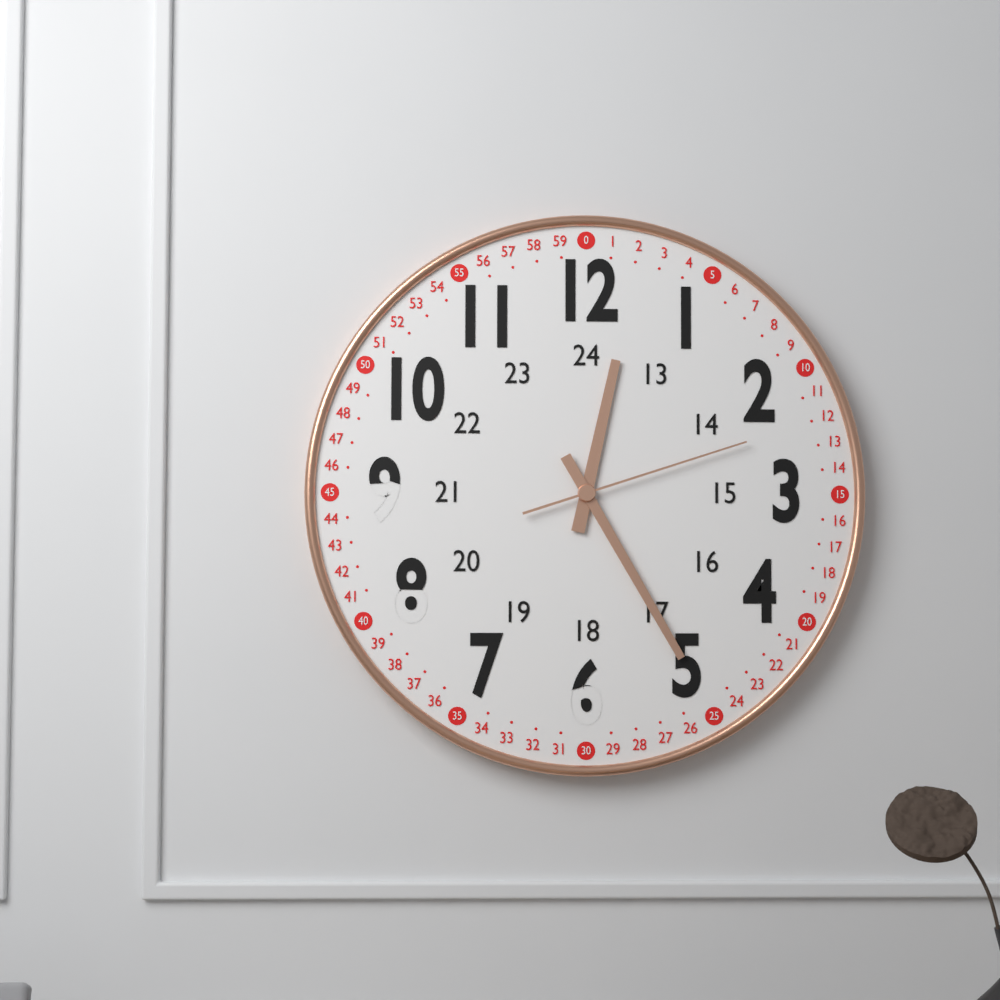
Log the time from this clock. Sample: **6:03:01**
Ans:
**12:25:12**
